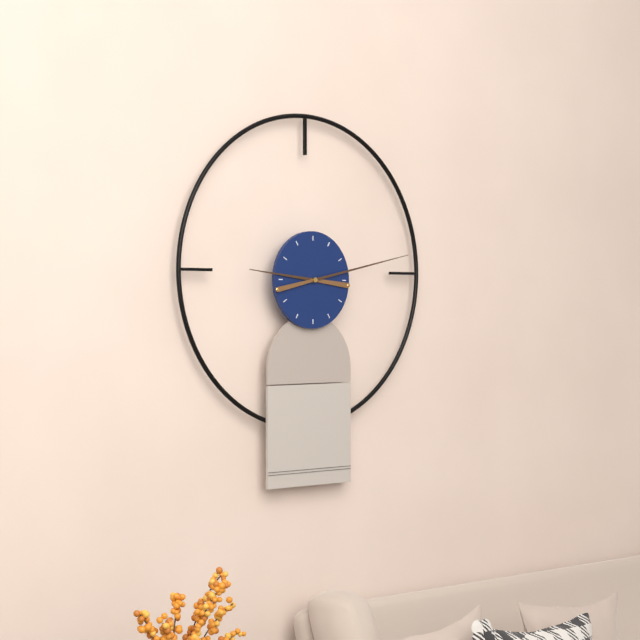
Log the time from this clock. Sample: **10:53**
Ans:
**9:13**
